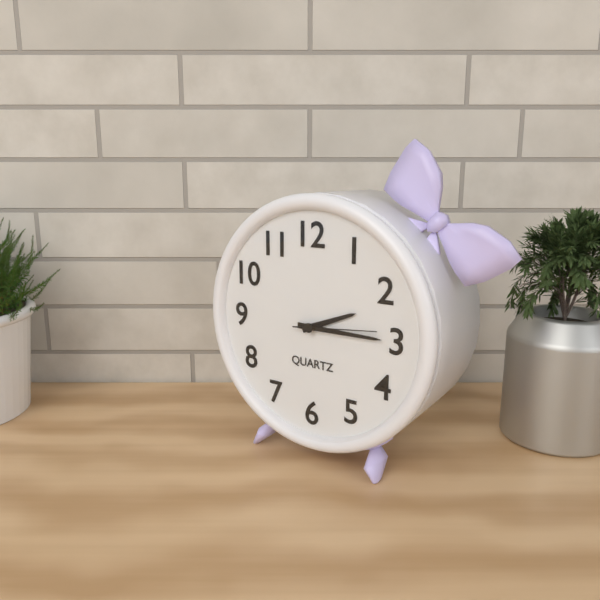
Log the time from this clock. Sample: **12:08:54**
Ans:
**2:15:14**
